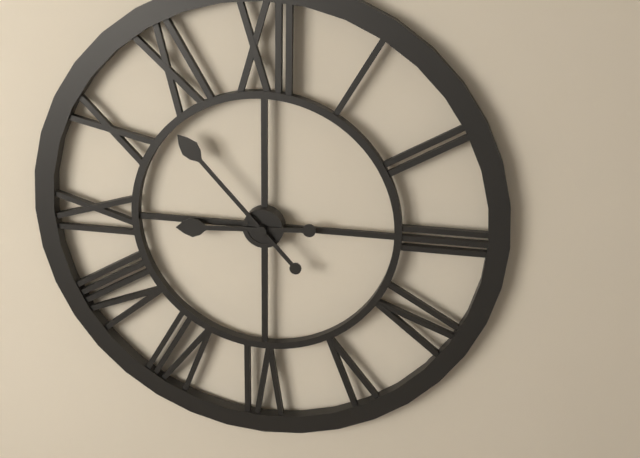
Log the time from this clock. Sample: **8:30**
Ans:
**8:53**
